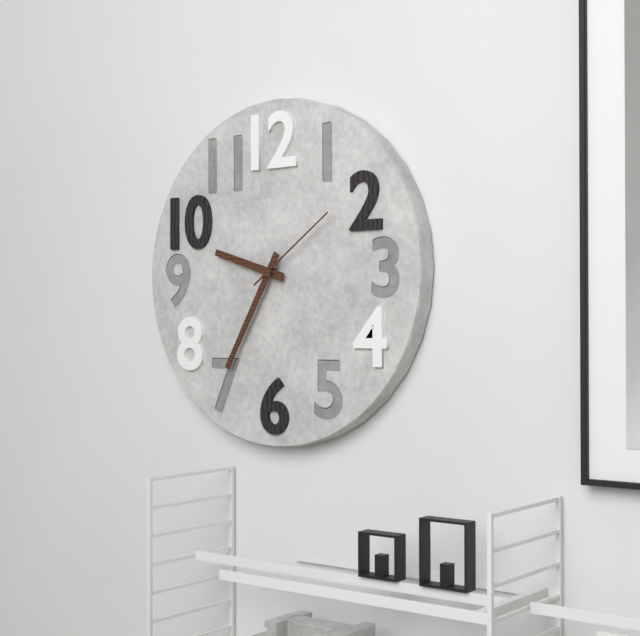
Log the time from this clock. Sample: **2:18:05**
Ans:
**9:35:09**
